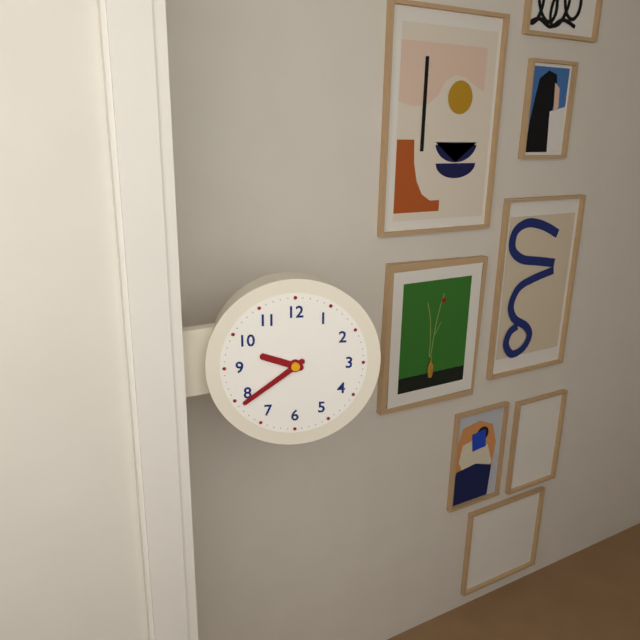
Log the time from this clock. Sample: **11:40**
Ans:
**9:39**
